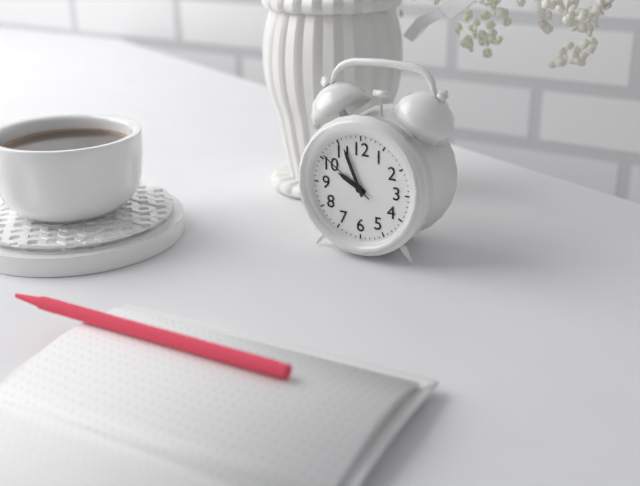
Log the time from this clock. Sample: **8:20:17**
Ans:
**9:56:51**
